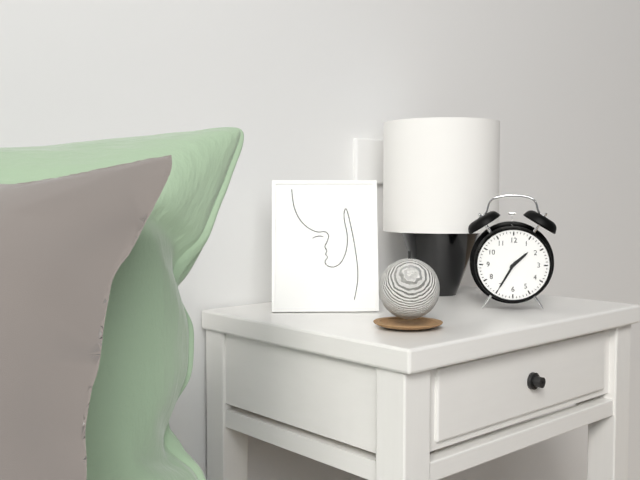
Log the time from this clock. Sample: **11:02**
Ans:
**1:35**
